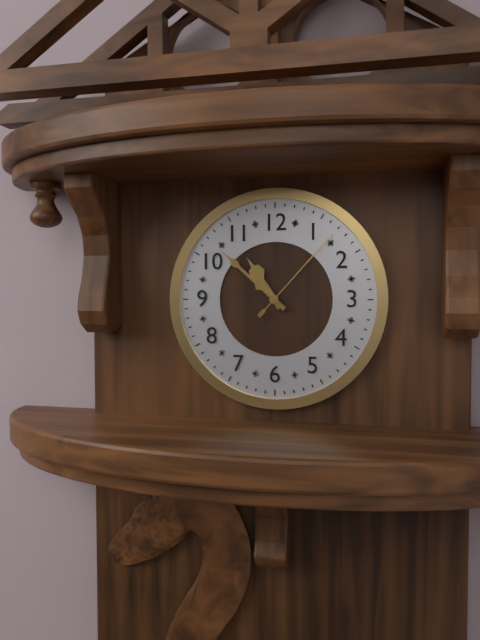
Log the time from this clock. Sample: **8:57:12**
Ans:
**10:52:07**
